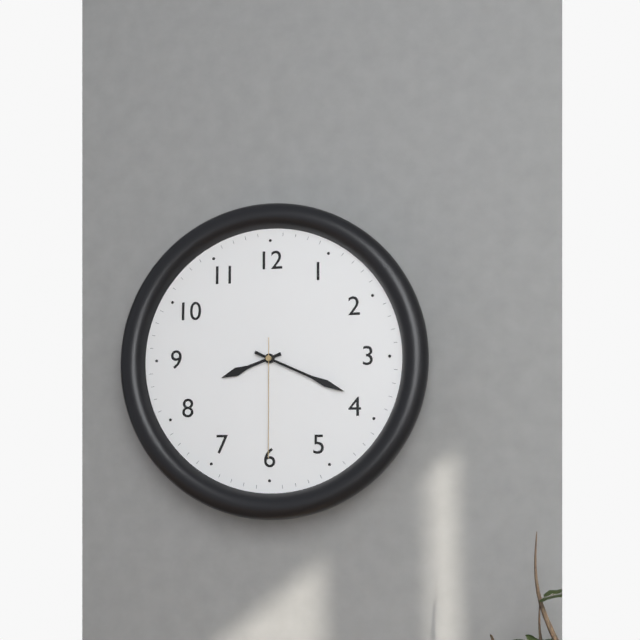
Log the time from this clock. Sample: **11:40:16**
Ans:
**8:19:30**
